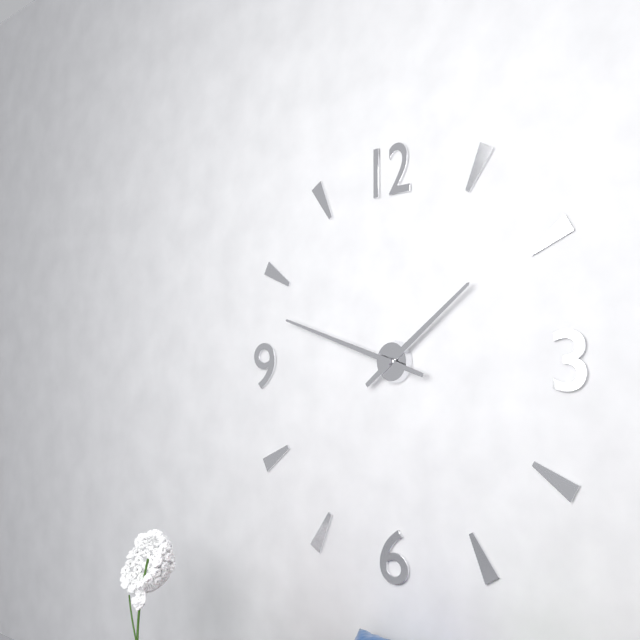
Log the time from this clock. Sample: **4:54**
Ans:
**1:48**
